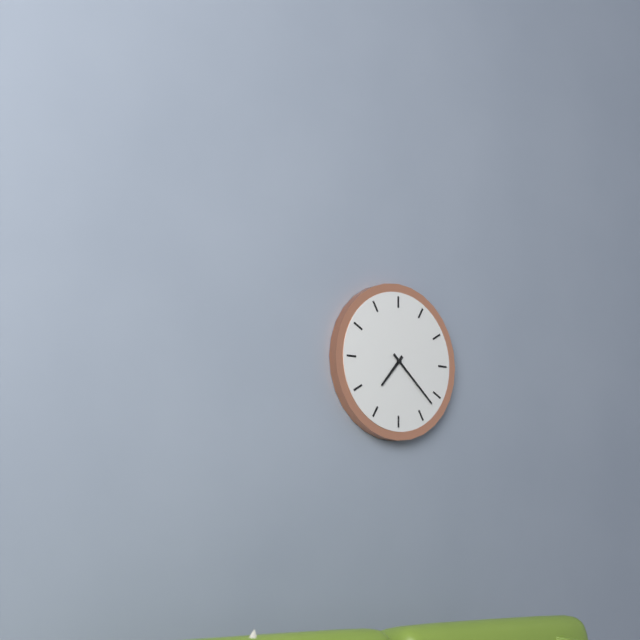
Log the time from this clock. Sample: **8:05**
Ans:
**7:22**
